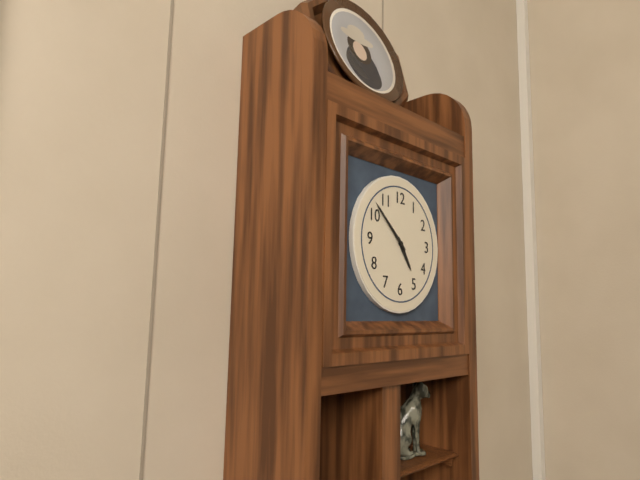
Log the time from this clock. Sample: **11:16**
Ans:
**4:52**
